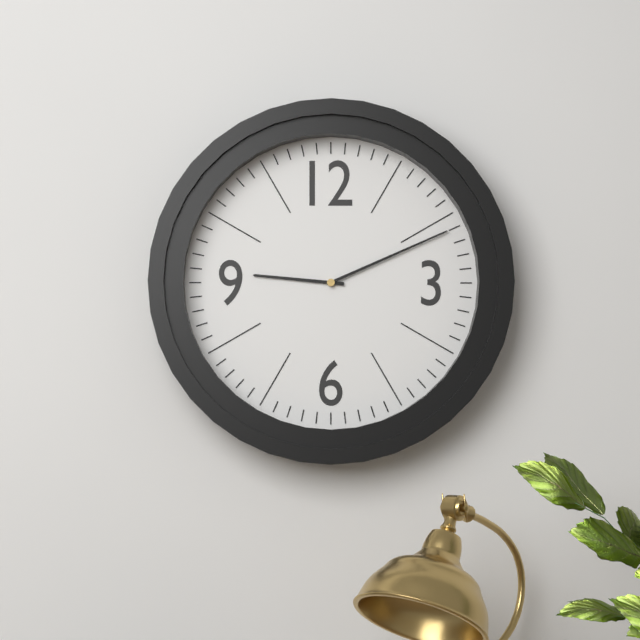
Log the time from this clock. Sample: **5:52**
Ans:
**9:11**
